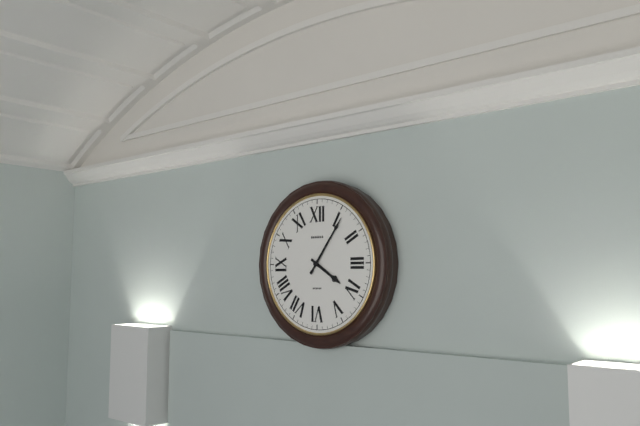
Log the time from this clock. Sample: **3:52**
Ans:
**4:06**
